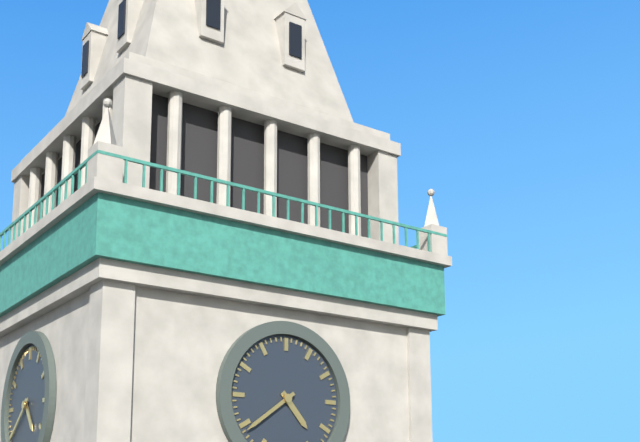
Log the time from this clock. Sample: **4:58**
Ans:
**4:39**
